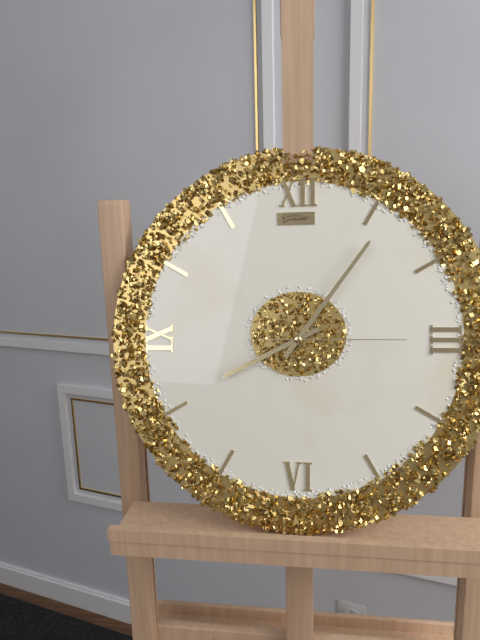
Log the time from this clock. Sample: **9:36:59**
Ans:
**8:06:15**
